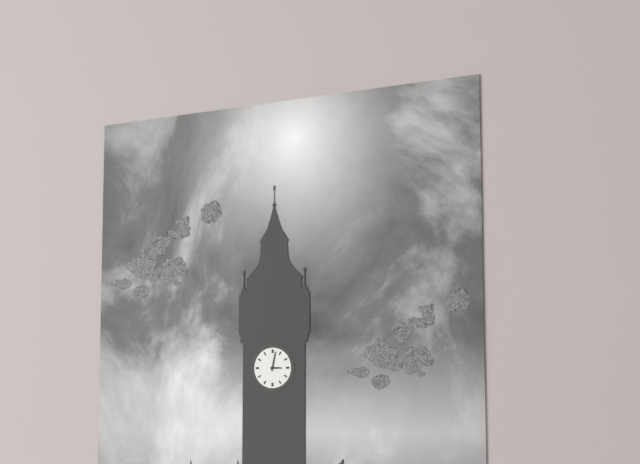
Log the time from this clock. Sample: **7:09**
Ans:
**3:02**
